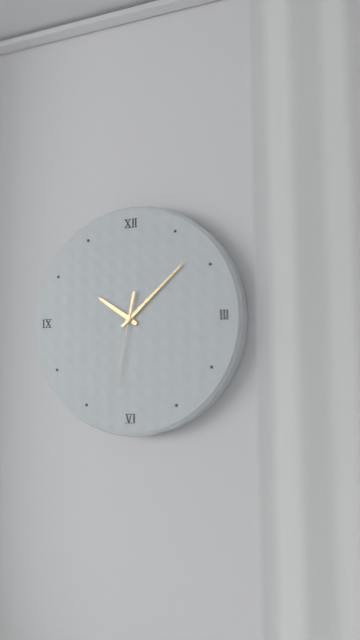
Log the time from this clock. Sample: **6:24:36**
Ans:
**10:08:32**
